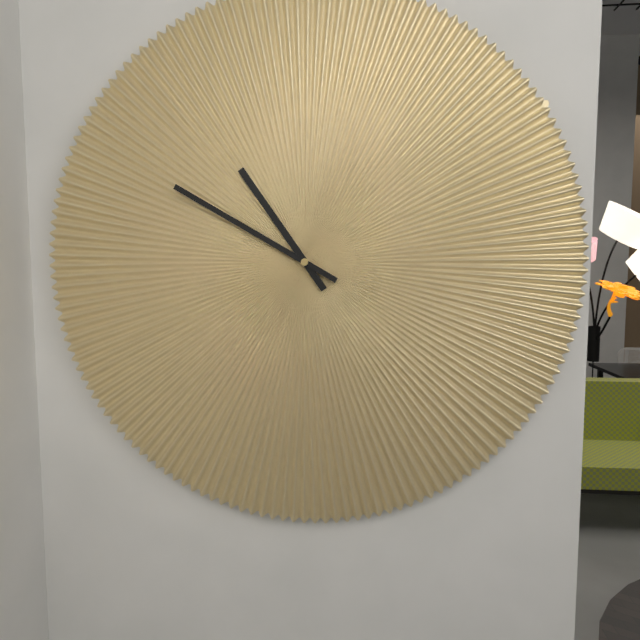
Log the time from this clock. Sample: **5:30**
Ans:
**10:50**
